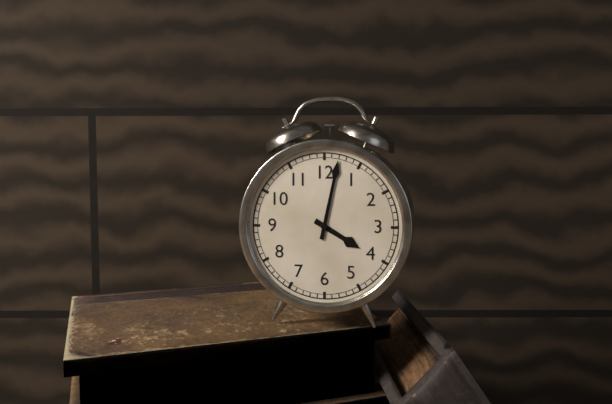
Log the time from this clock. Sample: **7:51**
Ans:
**4:02**
